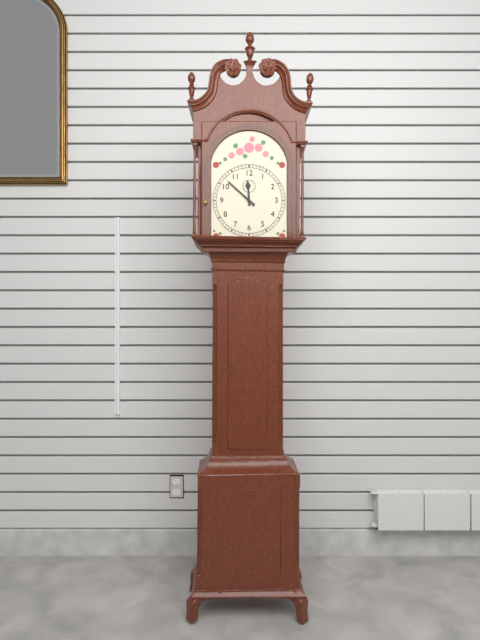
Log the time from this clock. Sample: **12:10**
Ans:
**11:52**
